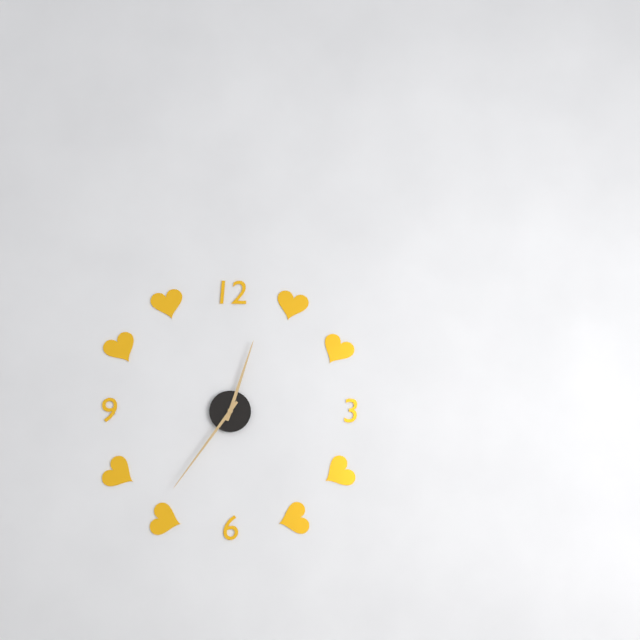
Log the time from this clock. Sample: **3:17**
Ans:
**12:36**
